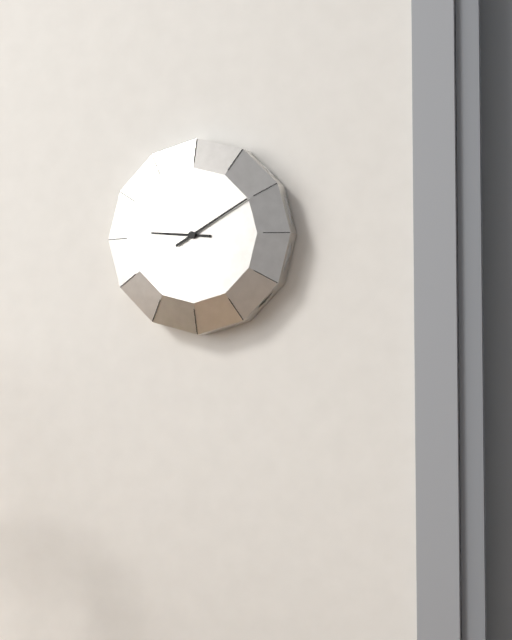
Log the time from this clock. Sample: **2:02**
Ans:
**9:10**
